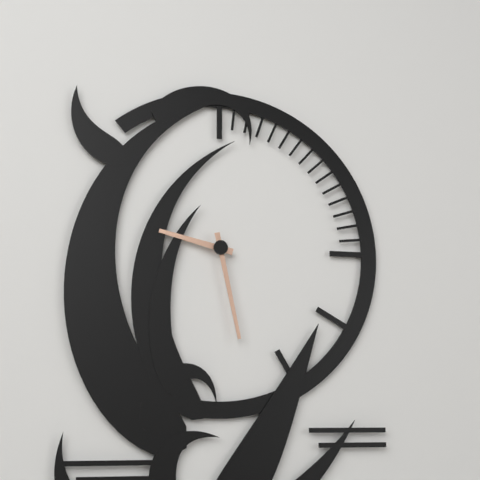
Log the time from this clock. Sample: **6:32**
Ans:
**9:28**
